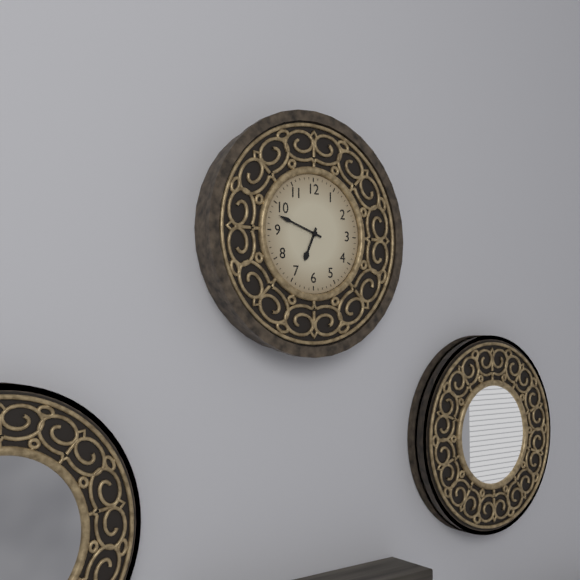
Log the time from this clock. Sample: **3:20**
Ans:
**6:48**
